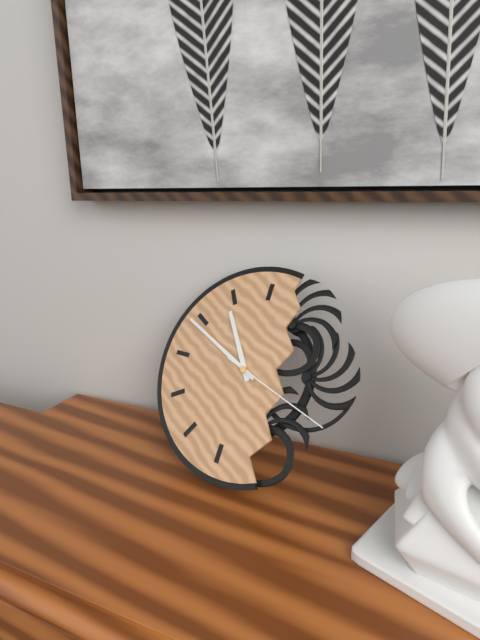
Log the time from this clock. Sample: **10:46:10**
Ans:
**10:49:18**
